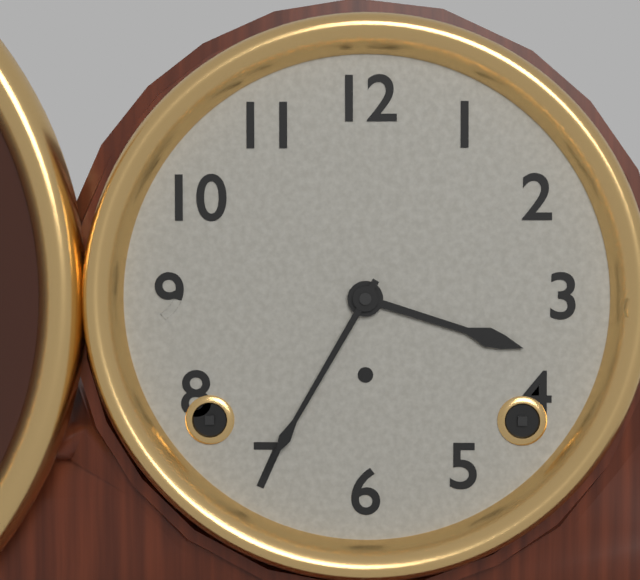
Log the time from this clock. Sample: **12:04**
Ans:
**3:35**
